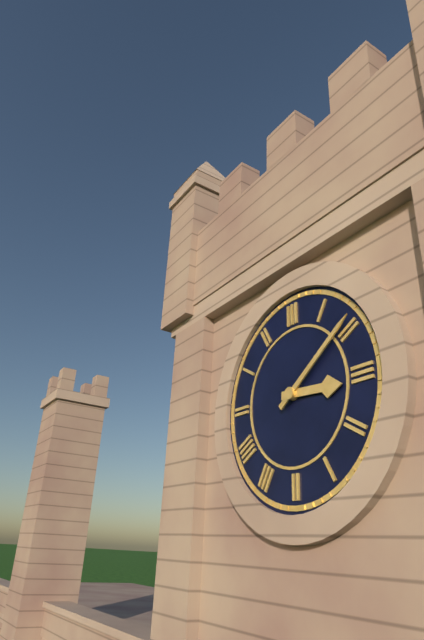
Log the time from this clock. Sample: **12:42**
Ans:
**3:09**
